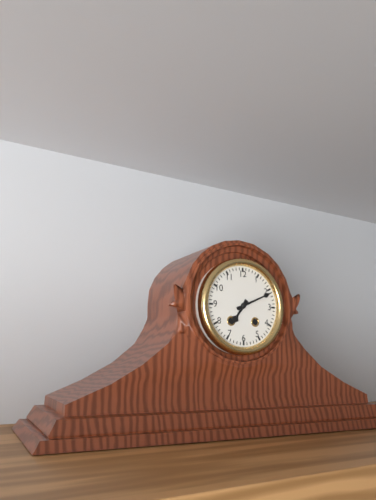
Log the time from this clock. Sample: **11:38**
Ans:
**7:11**
